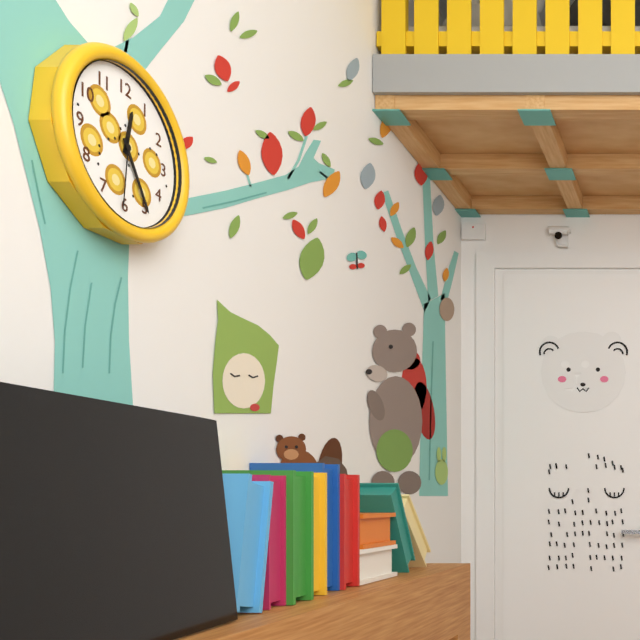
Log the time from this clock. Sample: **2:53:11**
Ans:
**12:25:31**
